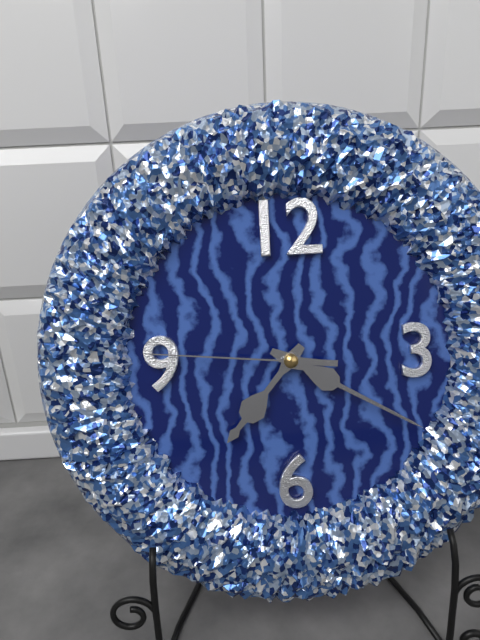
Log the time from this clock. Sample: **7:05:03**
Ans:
**7:20:46**
